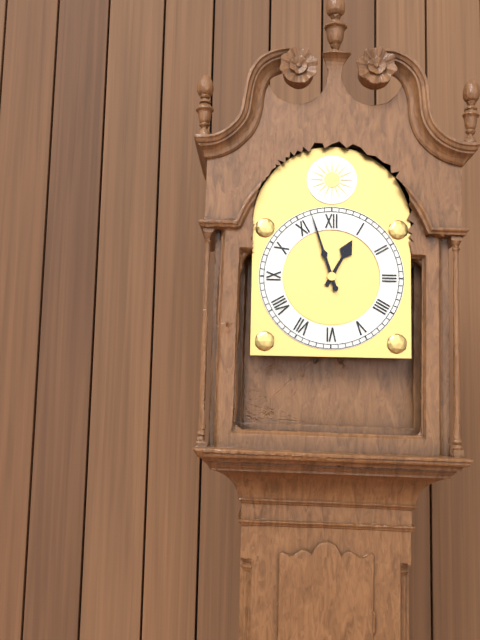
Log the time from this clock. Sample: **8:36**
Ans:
**12:57**
